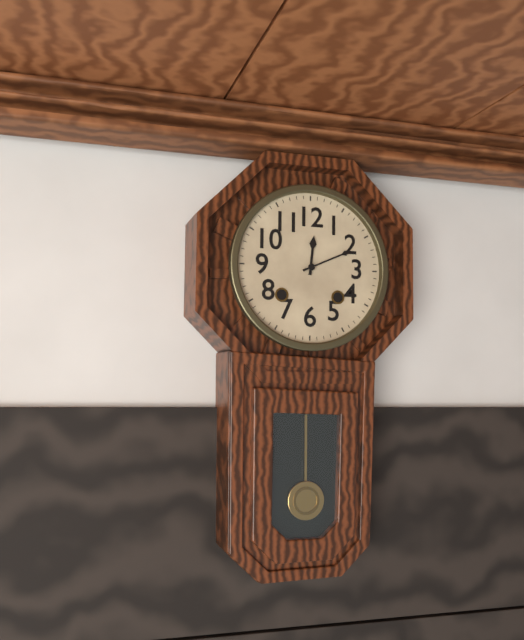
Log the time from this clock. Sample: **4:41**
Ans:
**12:11**
